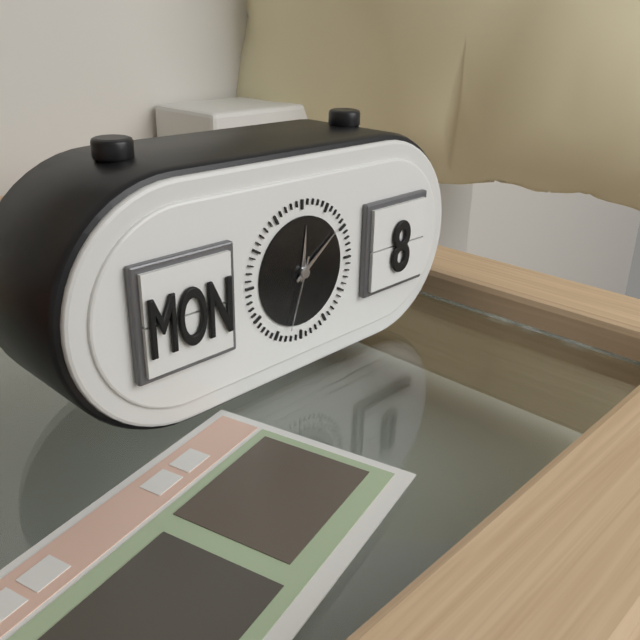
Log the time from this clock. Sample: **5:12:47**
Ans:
**12:09:33**
